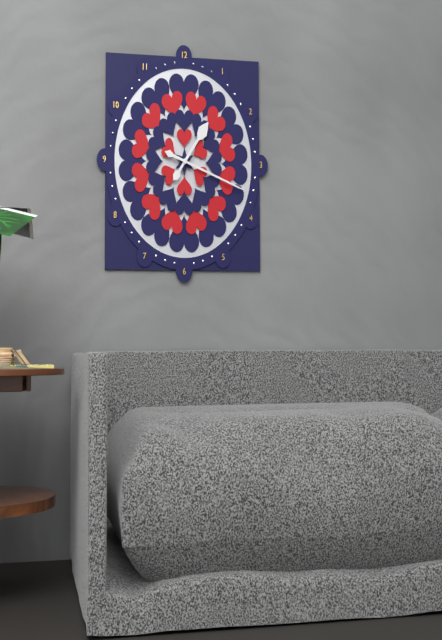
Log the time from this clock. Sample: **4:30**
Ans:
**1:18**
